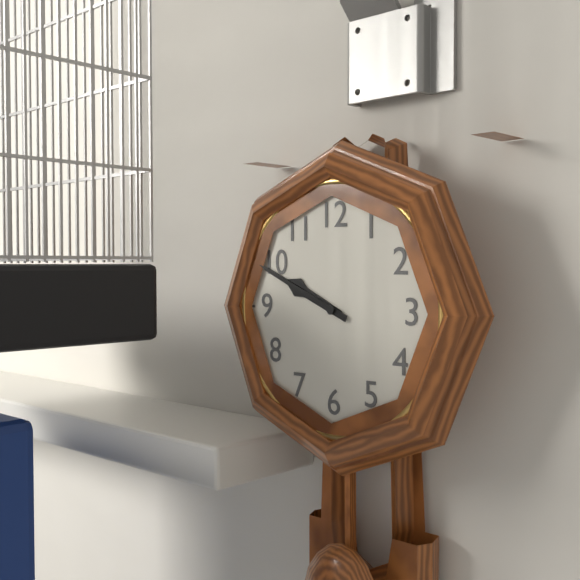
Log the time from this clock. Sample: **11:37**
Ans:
**9:49**
